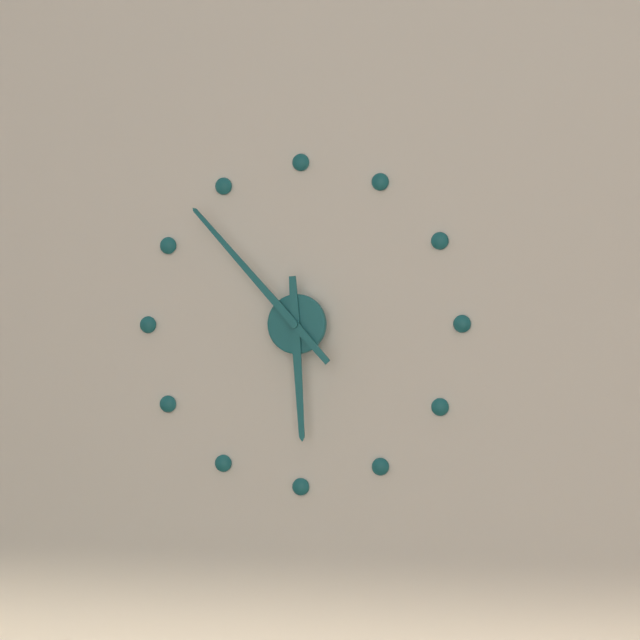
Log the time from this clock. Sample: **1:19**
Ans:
**5:53**
